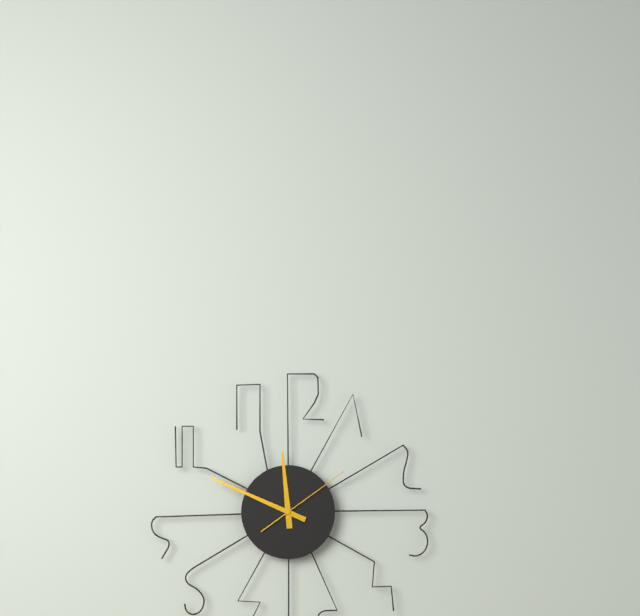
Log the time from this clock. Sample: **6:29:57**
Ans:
**11:49:09**
